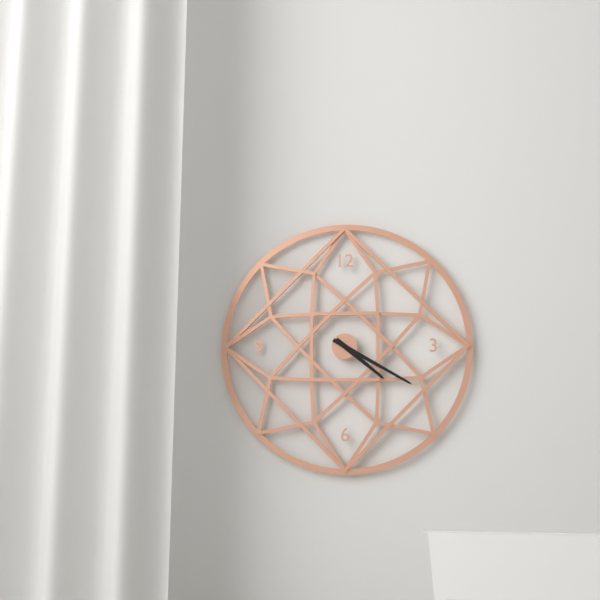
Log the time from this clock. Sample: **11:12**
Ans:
**4:20**
